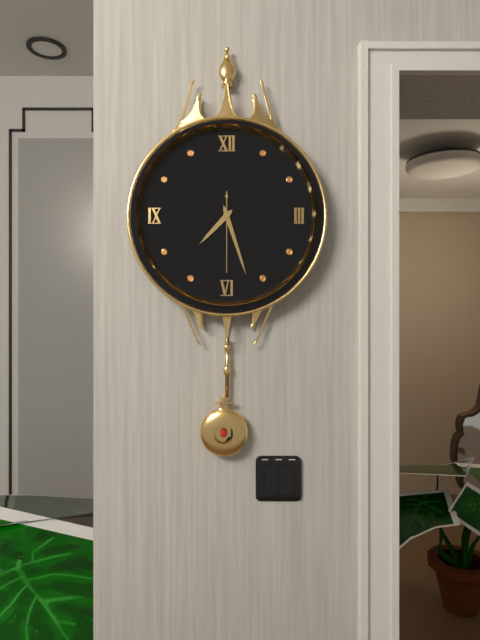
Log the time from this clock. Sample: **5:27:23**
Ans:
**7:27:30**
